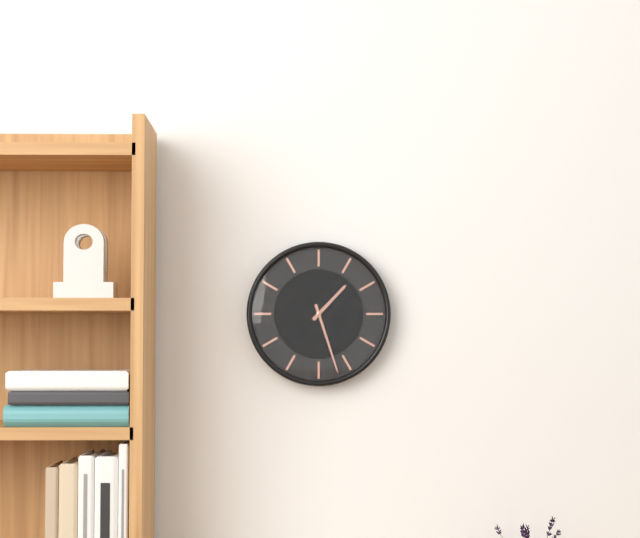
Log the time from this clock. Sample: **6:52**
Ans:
**1:27**
